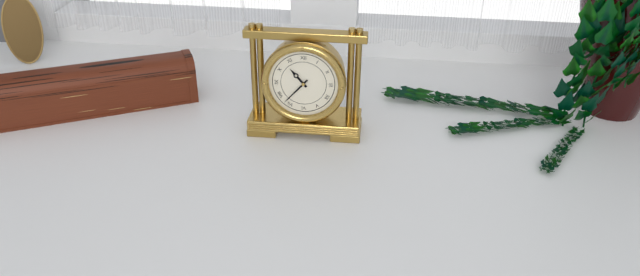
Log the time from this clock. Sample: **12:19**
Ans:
**10:37**
